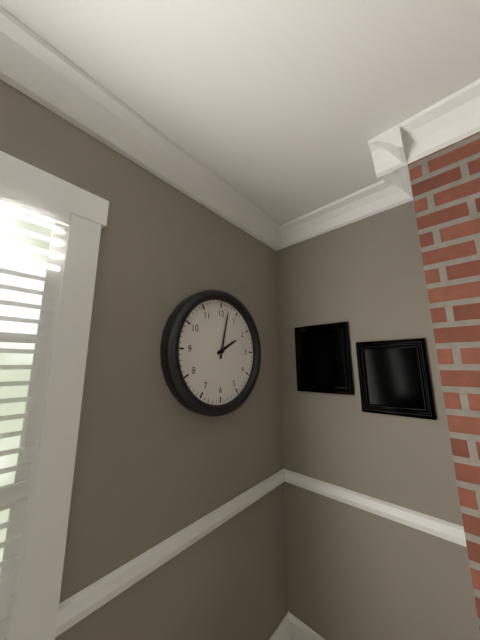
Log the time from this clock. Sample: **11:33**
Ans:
**2:02**
